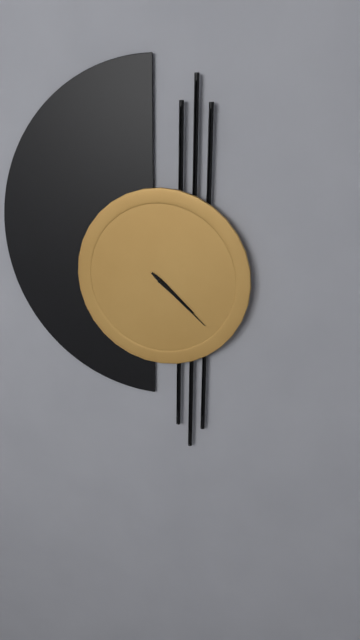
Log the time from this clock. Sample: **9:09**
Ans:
**4:22**
